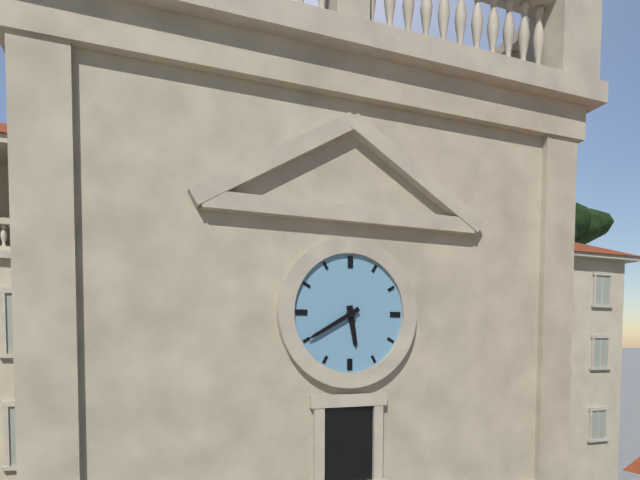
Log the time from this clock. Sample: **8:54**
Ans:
**5:40**
